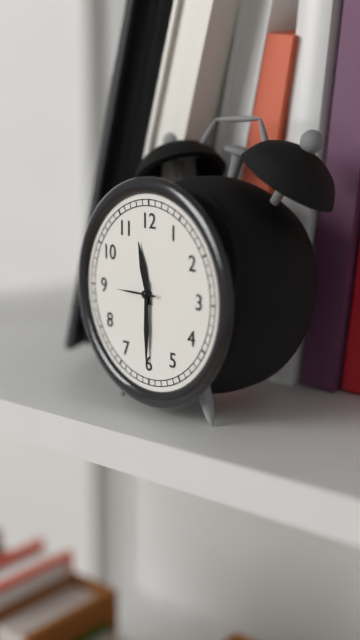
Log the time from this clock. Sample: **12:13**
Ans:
**11:30**
